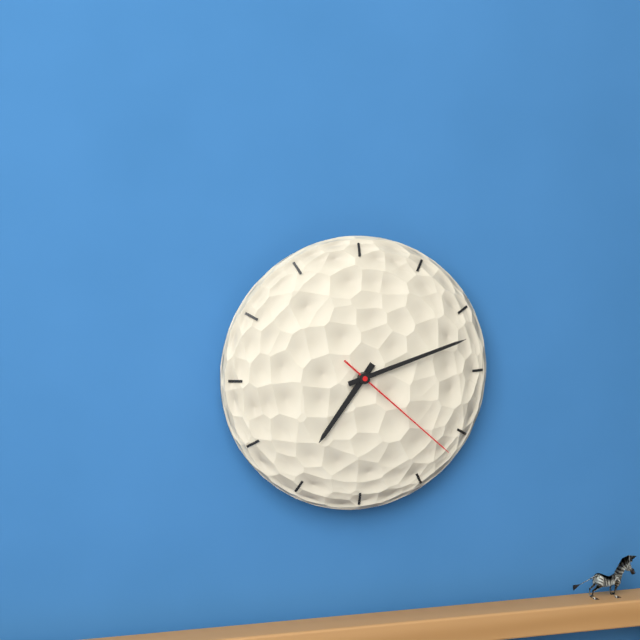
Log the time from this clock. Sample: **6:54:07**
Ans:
**7:12:22**
